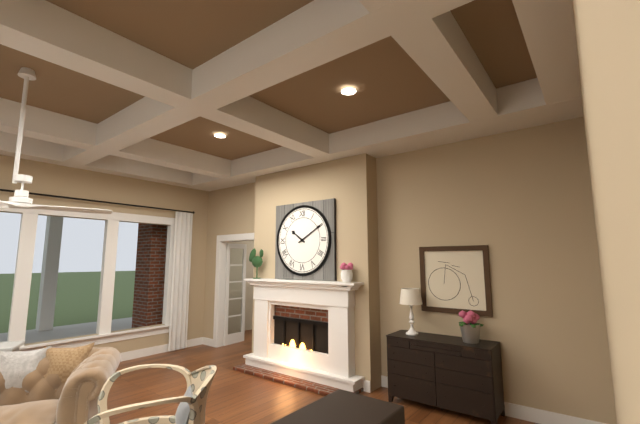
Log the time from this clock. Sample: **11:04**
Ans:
**10:10**
